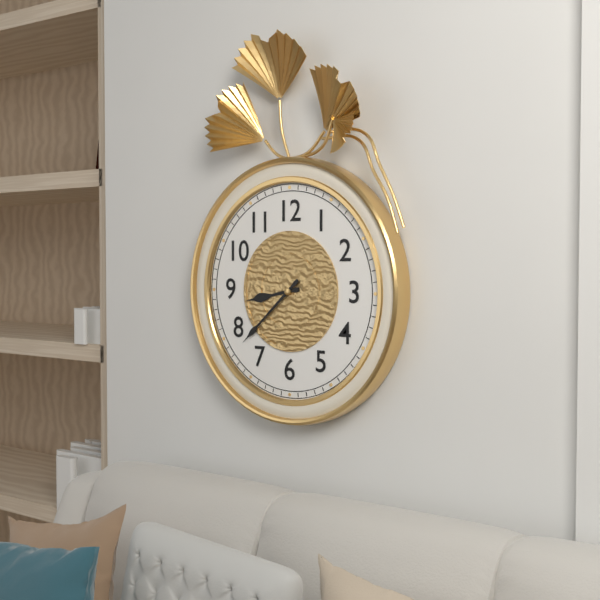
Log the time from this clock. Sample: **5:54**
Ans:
**8:38**
